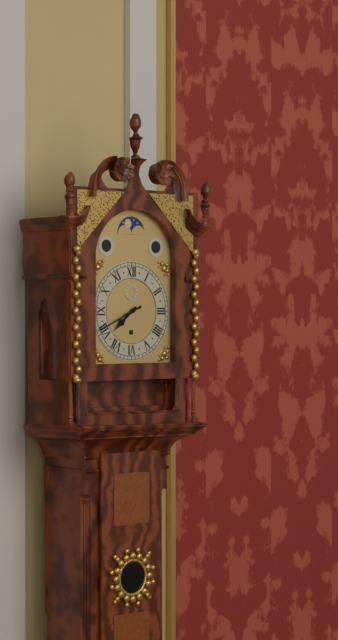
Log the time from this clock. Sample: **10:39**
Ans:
**7:41**
